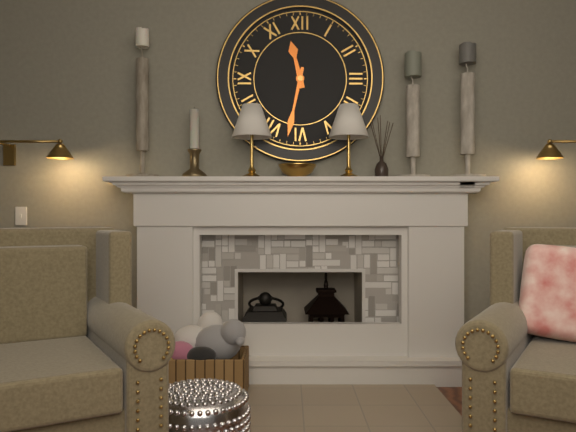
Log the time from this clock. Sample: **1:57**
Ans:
**11:32**
